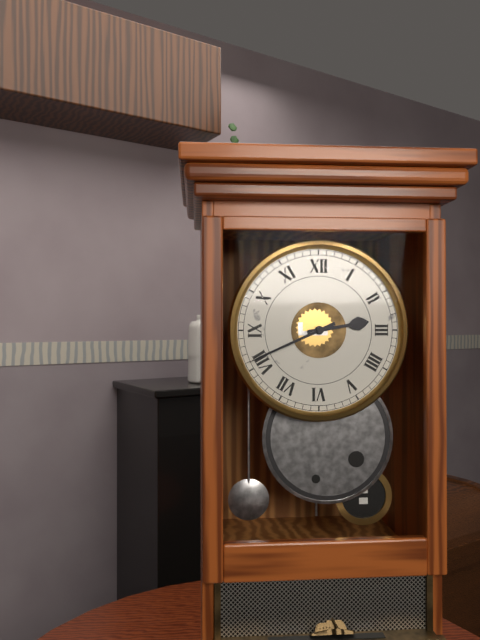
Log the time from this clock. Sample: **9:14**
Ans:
**2:41**
